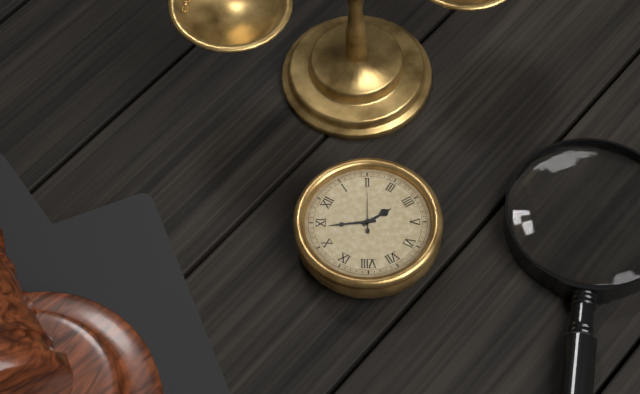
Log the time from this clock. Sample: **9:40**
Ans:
**3:54**
